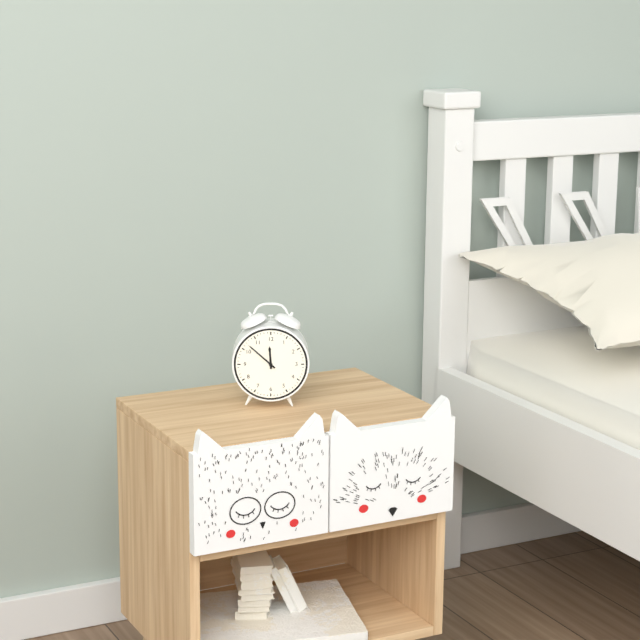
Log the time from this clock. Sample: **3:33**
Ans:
**11:52**
